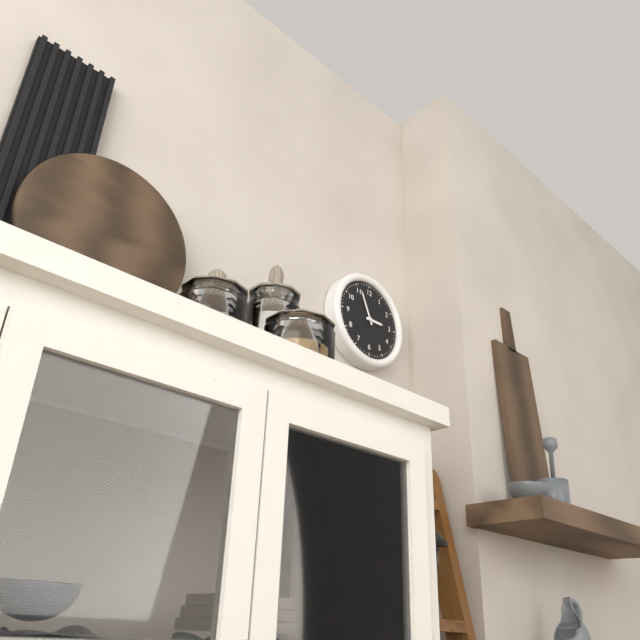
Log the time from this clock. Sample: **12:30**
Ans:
**2:56**
